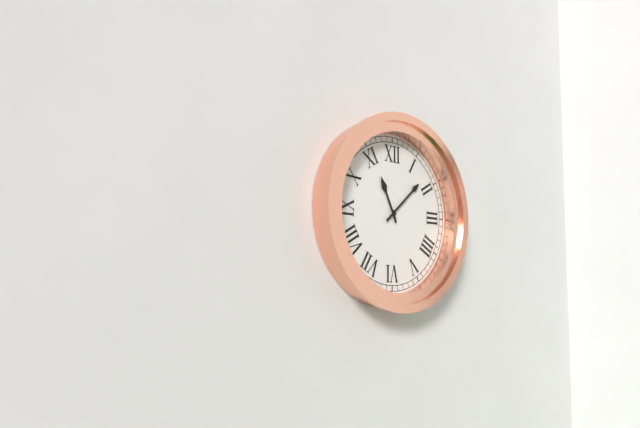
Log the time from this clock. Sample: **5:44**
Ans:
**11:08**
